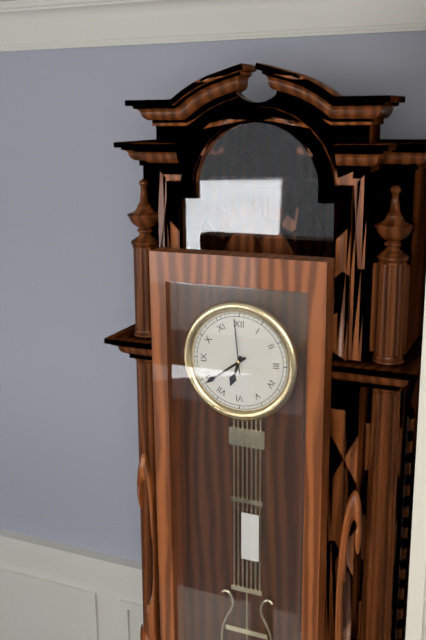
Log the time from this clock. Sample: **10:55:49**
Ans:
**6:39:59**
